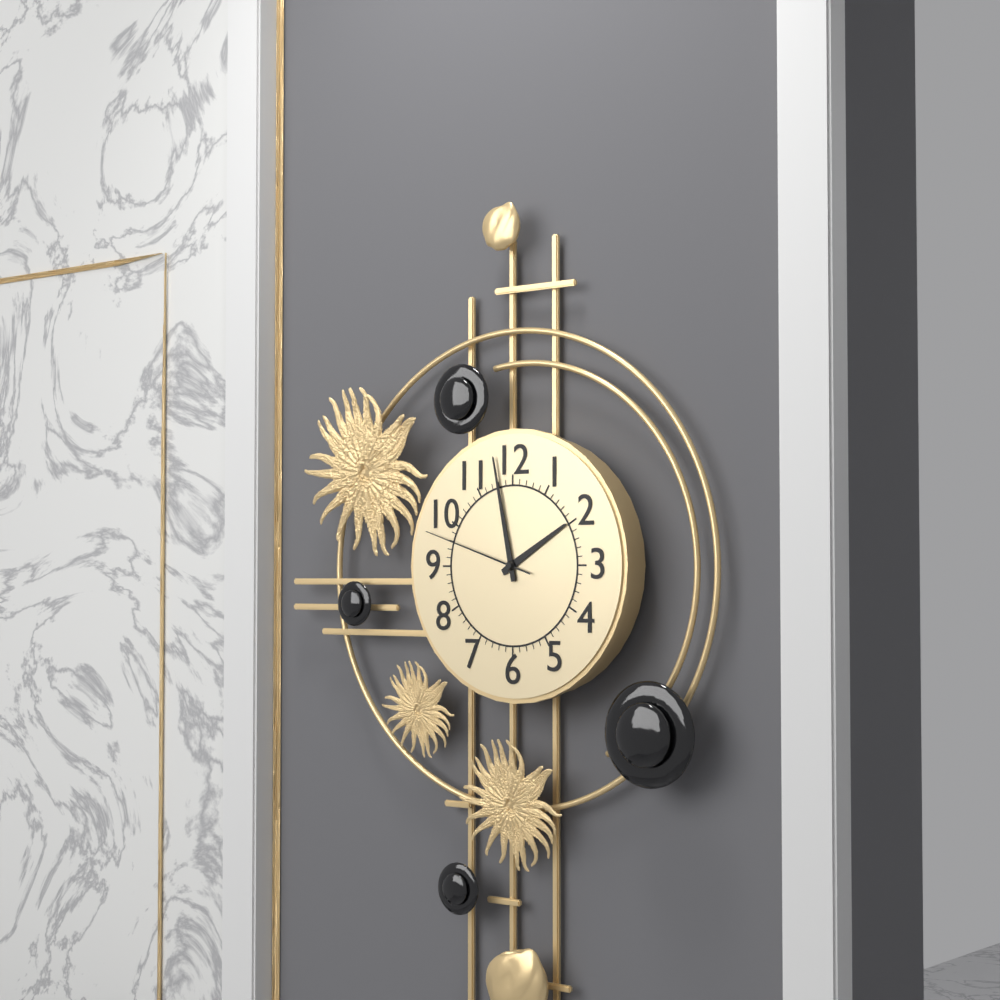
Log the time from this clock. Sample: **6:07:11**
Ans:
**1:58:48**
